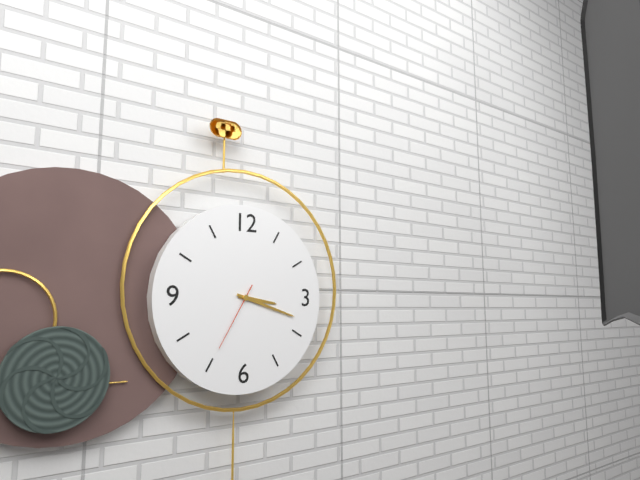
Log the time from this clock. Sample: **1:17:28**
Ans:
**3:18:35**
